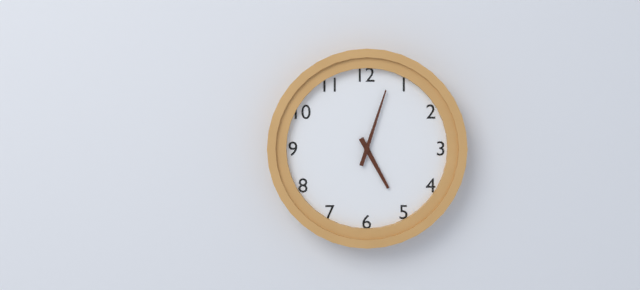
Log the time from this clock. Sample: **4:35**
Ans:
**5:03**
